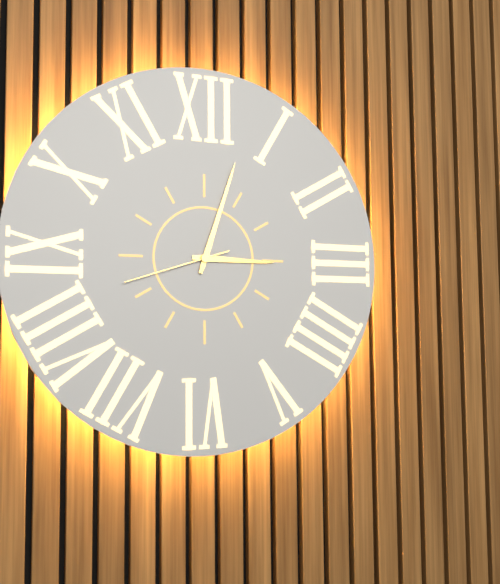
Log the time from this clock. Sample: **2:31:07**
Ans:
**3:03:42**
